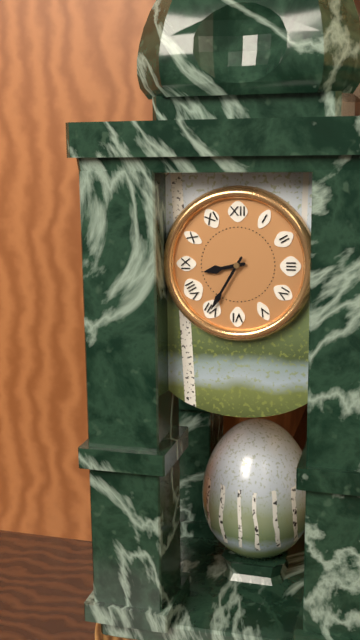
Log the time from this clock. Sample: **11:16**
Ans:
**8:35**
